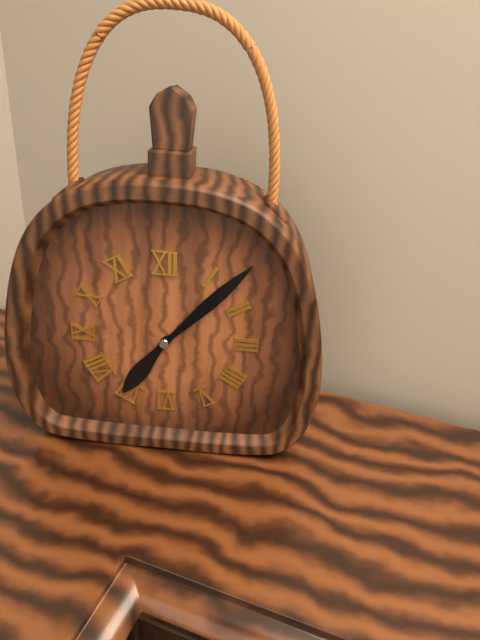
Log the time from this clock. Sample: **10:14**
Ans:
**7:07**
